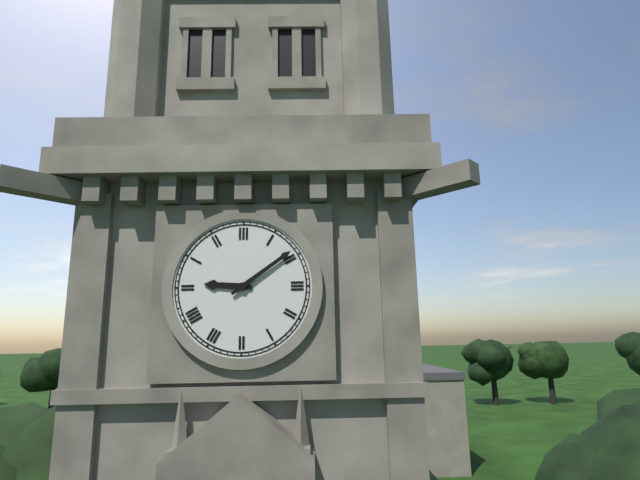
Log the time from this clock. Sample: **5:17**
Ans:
**9:09**
